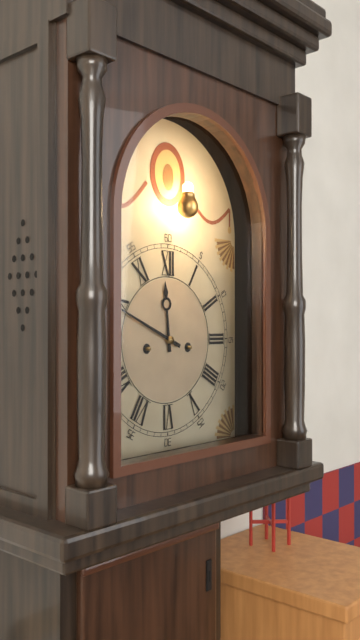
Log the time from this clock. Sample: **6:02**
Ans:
**11:49**
